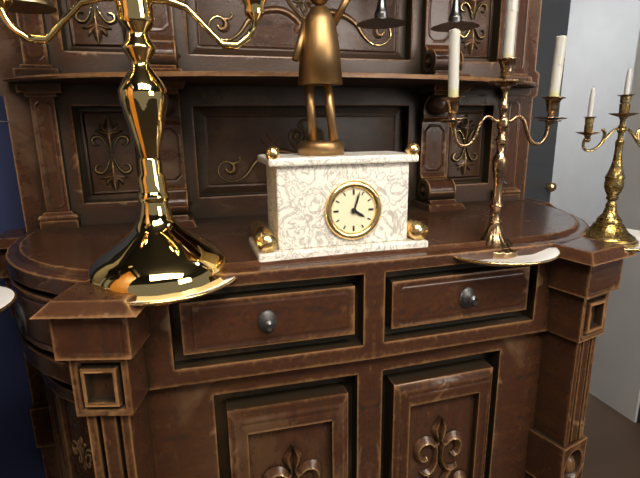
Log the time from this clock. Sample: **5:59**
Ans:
**4:03**
